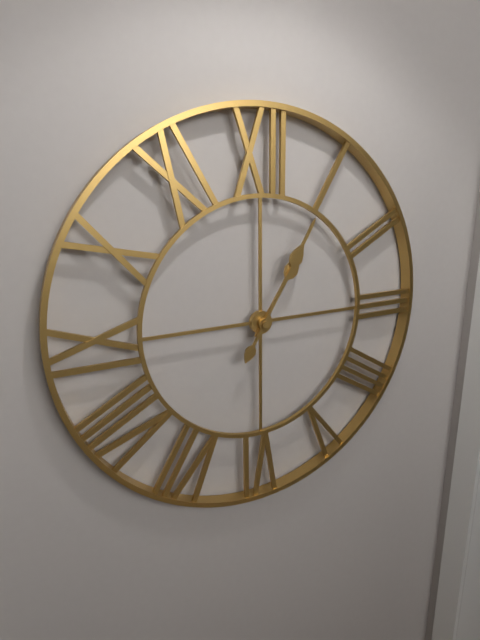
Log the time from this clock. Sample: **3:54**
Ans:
**1:05**
